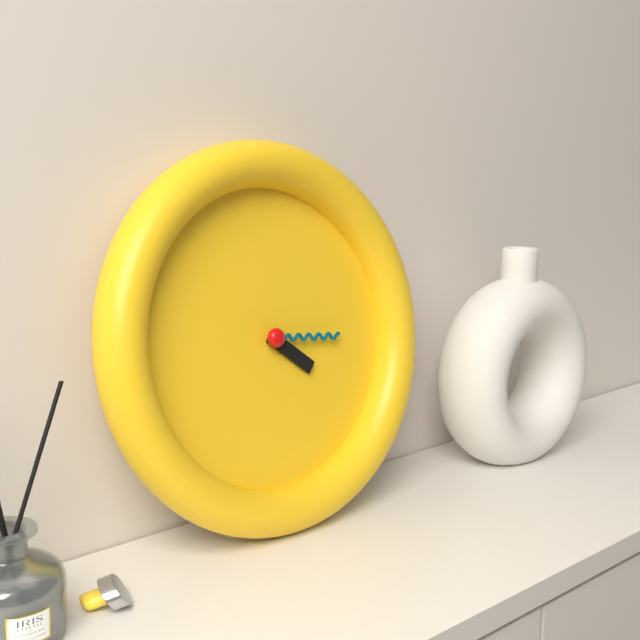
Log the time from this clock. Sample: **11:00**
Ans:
**4:16**
